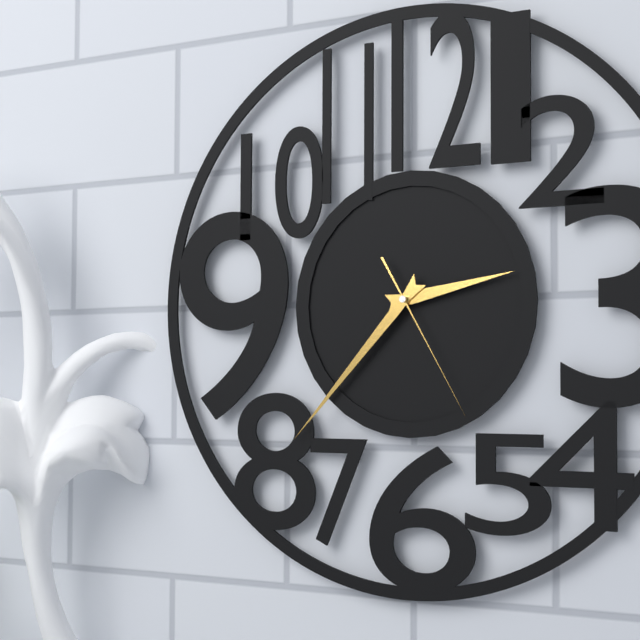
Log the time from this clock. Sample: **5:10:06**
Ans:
**2:37:25**
